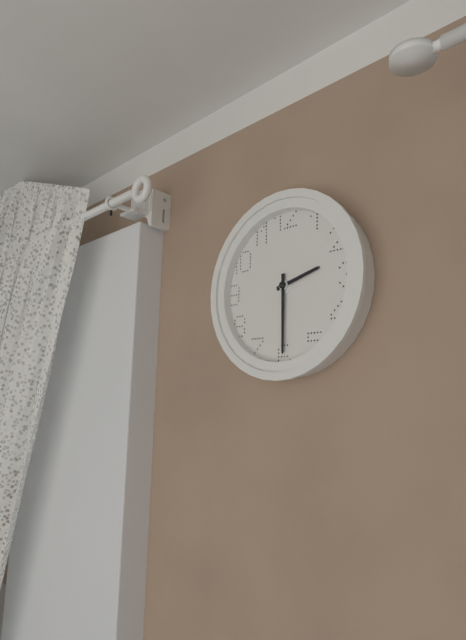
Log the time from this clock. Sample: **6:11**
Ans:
**2:30**
